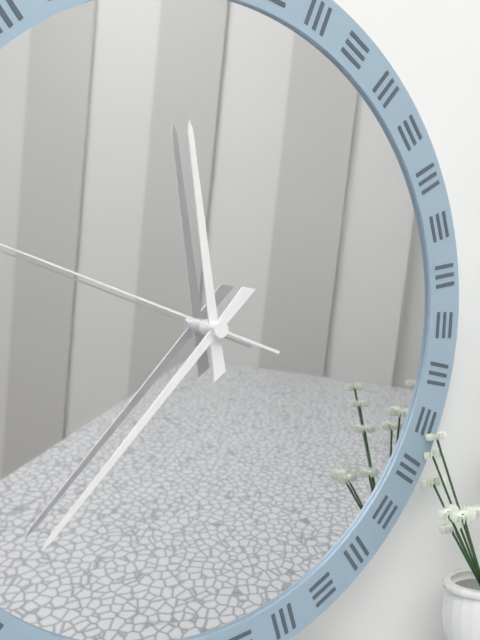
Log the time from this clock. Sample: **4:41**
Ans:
**11:37**
